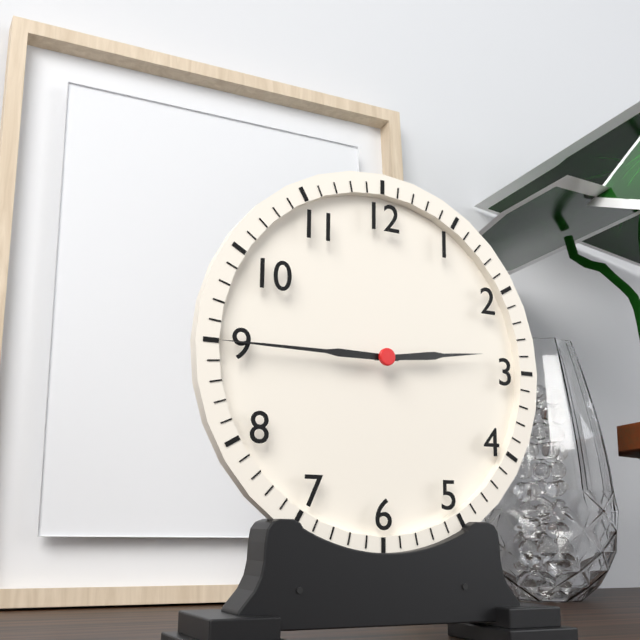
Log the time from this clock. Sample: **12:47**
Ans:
**2:45**
